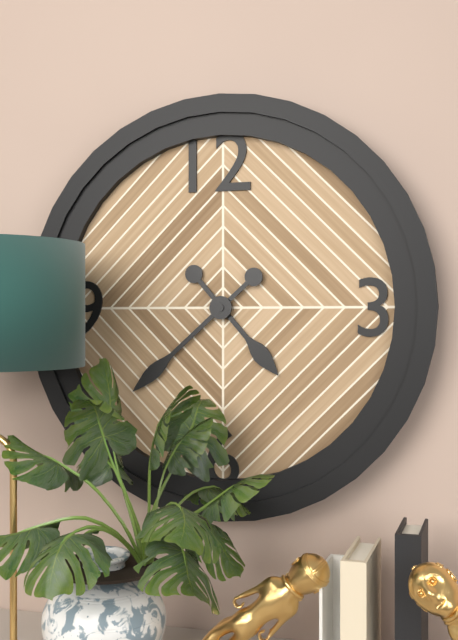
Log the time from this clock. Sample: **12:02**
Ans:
**4:38**
